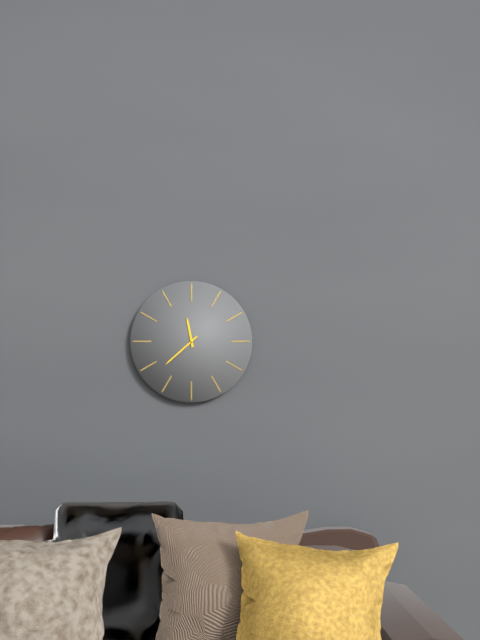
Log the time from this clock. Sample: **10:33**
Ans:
**11:38**
